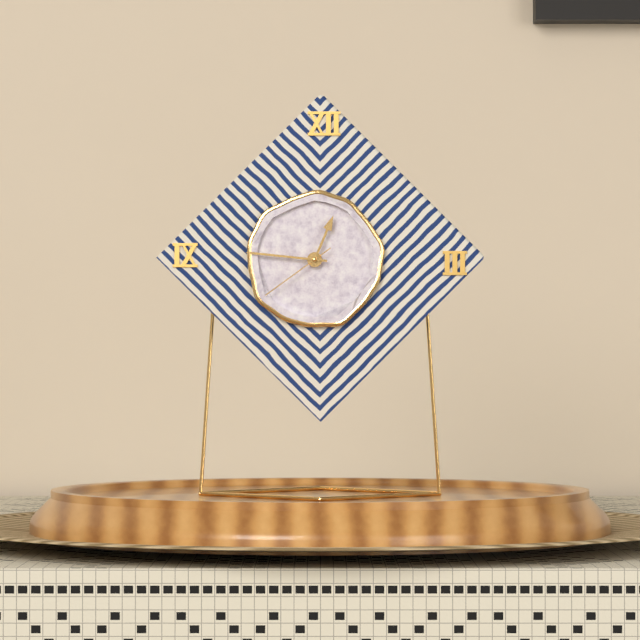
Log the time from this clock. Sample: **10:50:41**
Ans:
**12:46:39**
